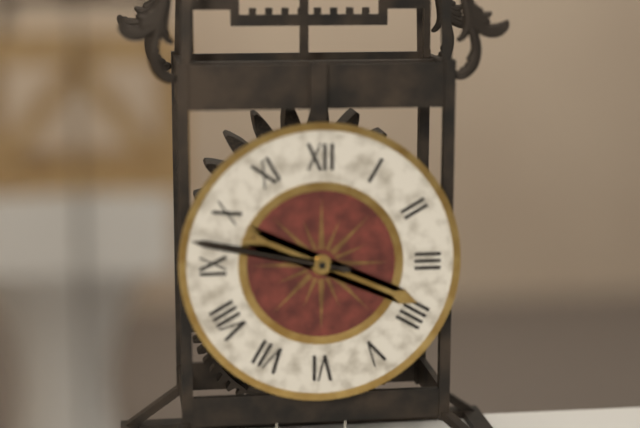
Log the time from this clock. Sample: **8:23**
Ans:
**3:47**
